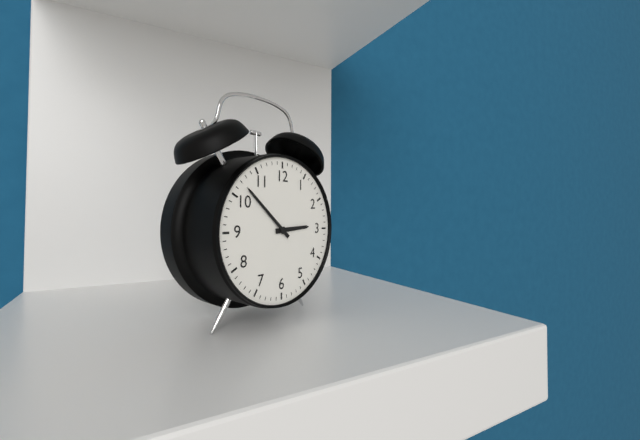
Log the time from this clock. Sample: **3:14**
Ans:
**2:52**
